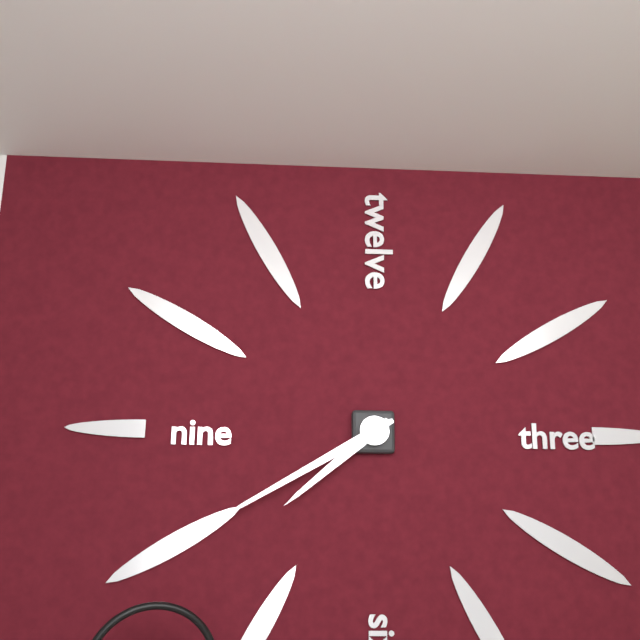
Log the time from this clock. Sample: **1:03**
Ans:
**7:40**
